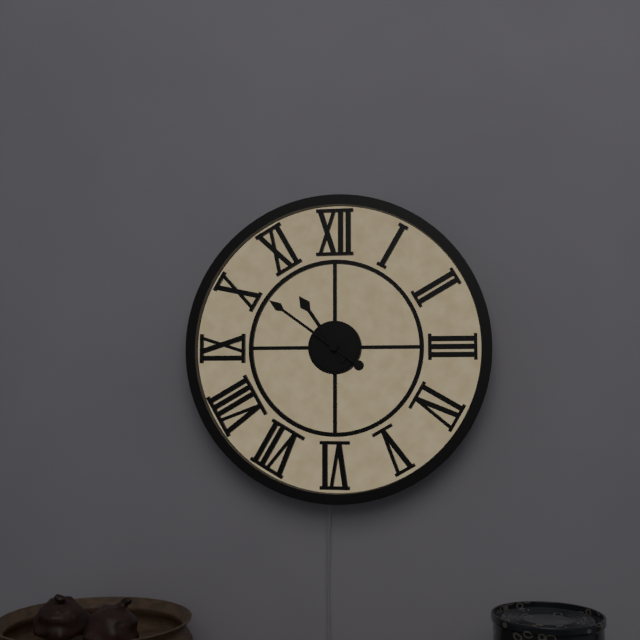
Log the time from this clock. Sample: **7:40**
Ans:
**10:51**
